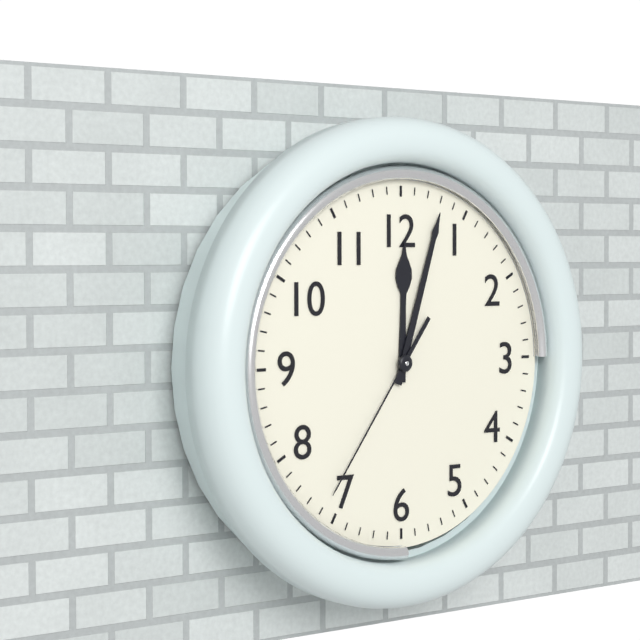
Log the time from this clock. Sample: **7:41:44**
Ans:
**12:03:36**
